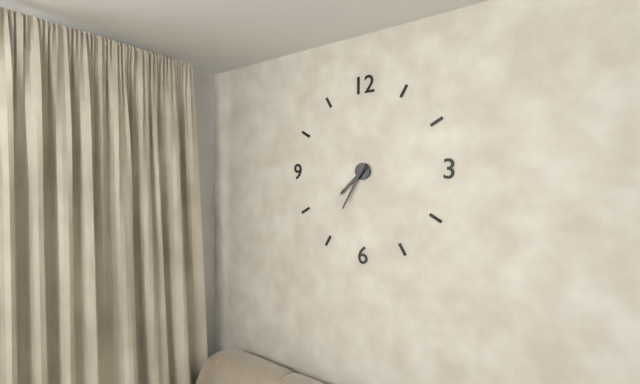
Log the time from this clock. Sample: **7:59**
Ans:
**7:35**
